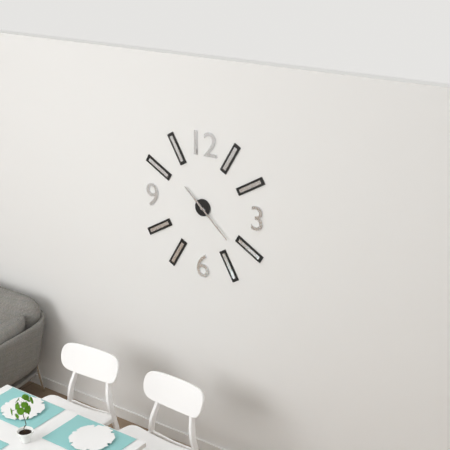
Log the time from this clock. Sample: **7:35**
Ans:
**10:22**
